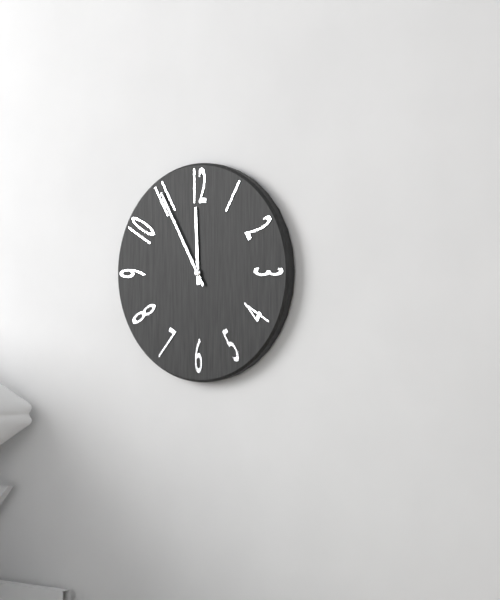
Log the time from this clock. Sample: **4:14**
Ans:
**11:55**
